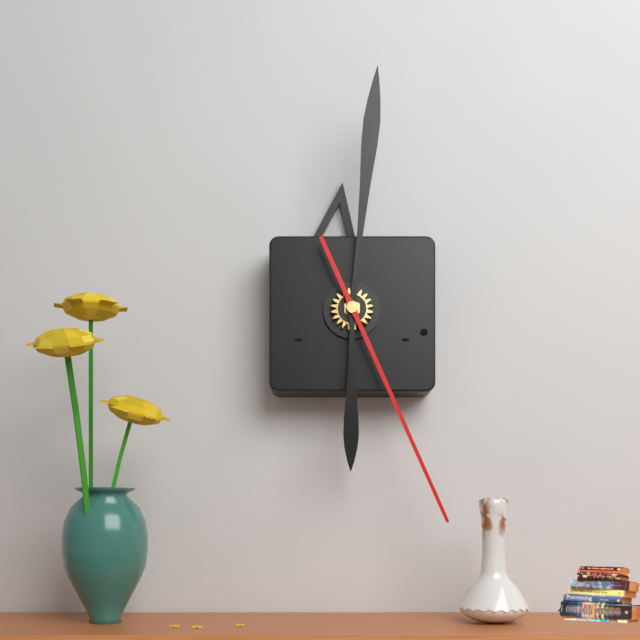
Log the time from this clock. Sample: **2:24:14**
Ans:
**6:01:26**
